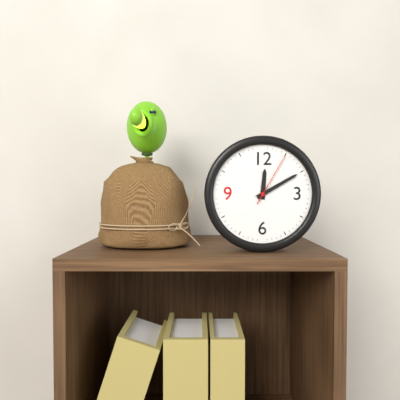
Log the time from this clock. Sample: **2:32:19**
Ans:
**12:10:05**
